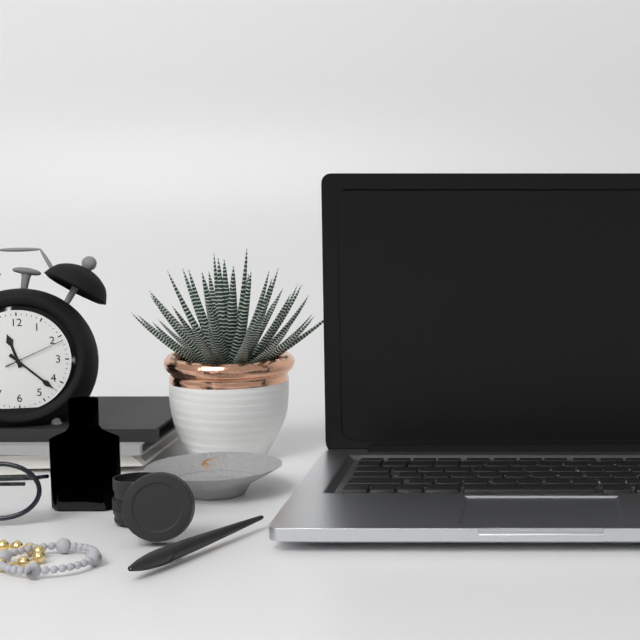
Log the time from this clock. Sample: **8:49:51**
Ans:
**11:22:11**
